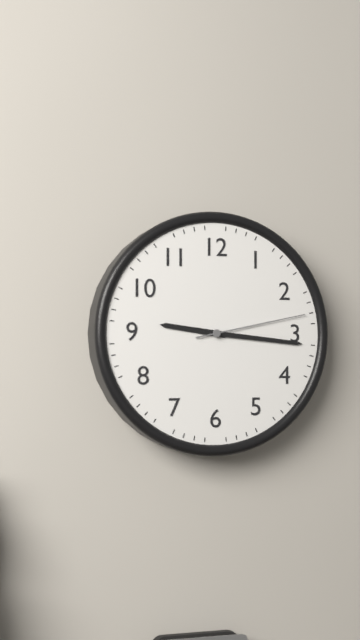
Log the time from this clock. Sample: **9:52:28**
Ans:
**9:16:13**
